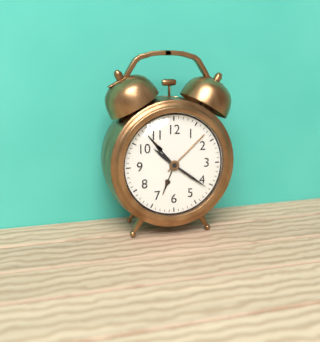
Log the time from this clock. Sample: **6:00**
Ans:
**10:21**
